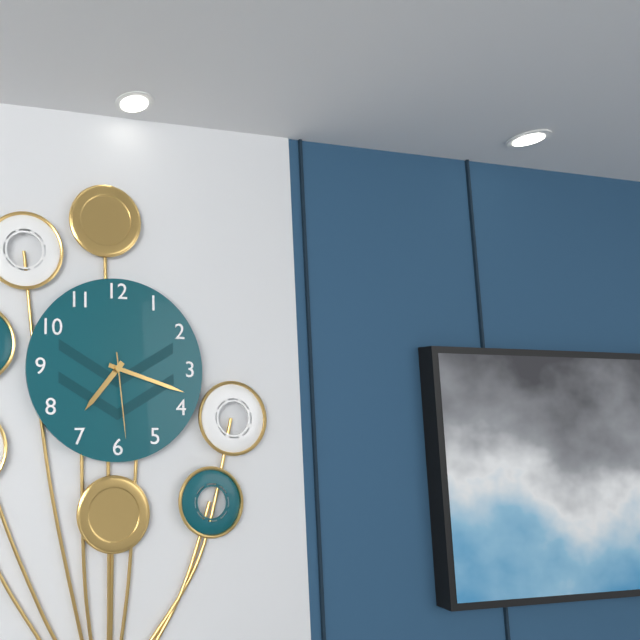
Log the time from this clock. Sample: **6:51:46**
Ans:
**7:18:29**
